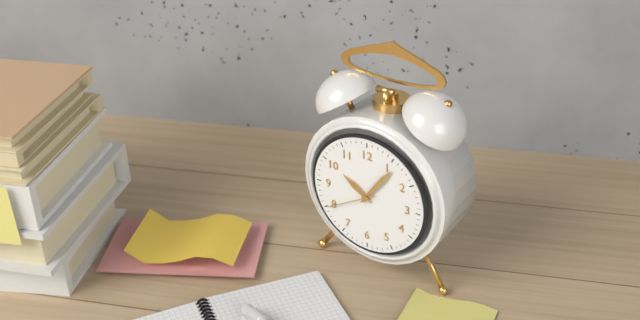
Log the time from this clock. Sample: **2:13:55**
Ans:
**10:06:40**
